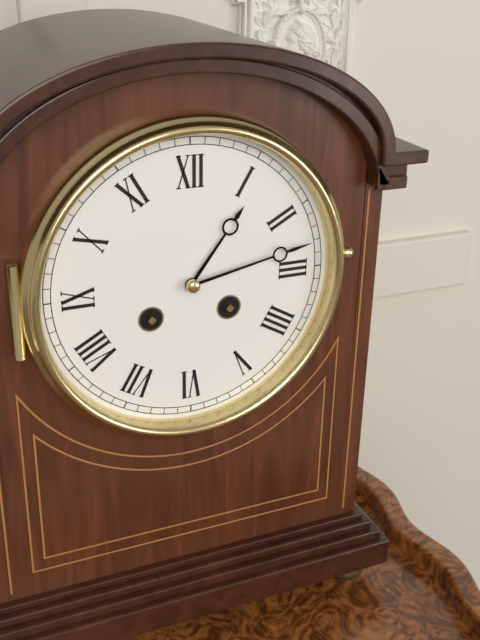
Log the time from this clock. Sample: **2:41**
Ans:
**1:13**
